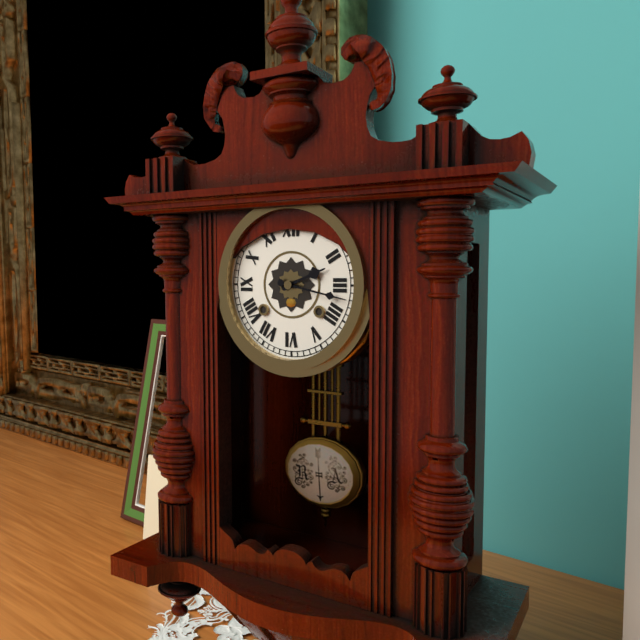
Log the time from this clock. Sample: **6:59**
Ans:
**2:17**
